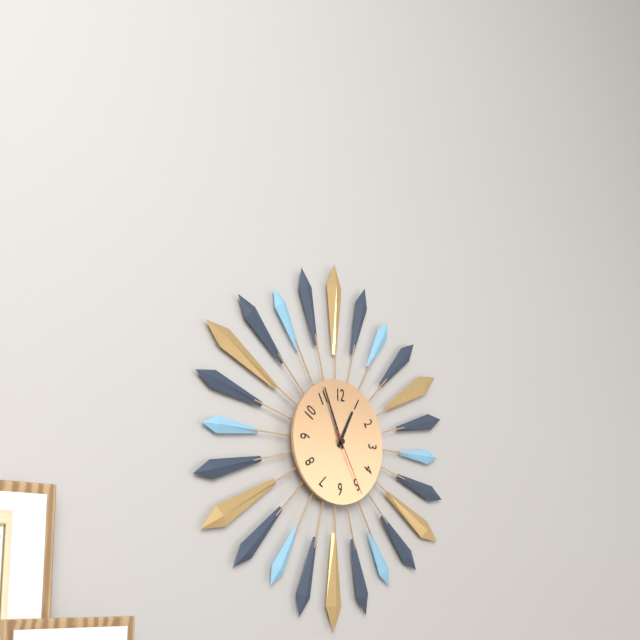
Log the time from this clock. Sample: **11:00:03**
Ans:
**12:56:25**
